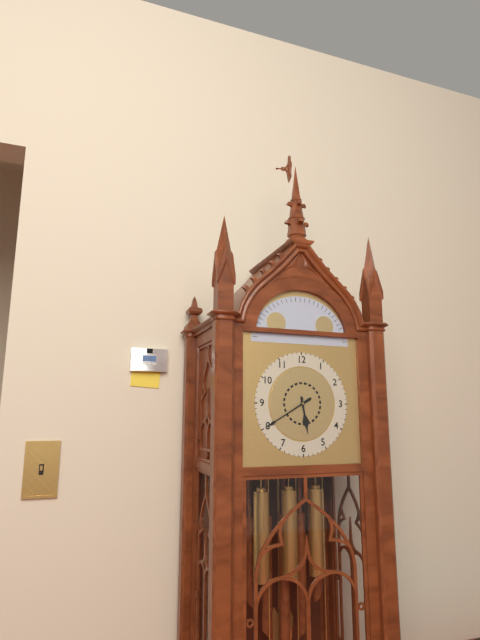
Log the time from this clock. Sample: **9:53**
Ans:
**5:40**
